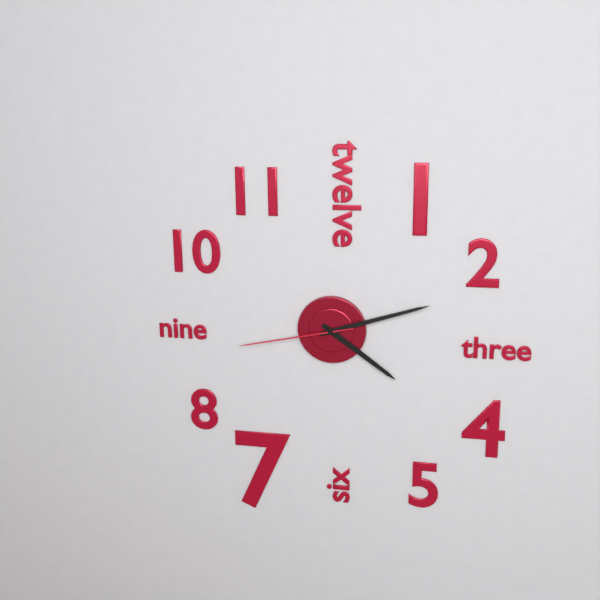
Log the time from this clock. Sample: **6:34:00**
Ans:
**4:12:43**
